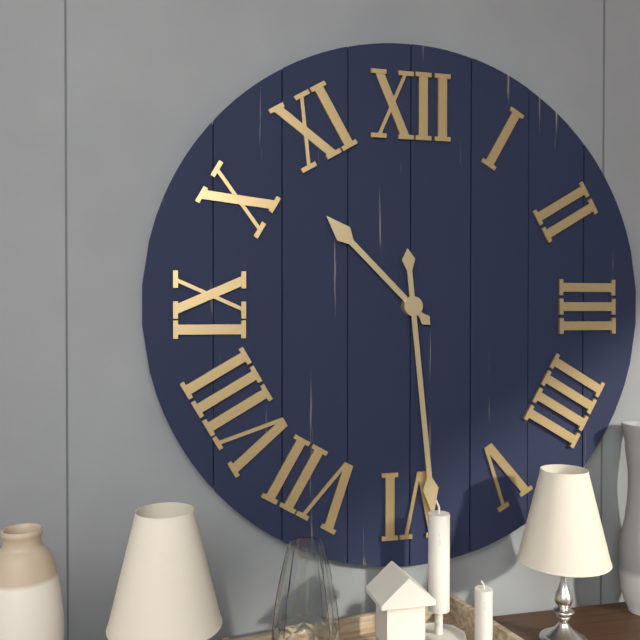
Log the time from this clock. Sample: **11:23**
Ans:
**10:29**
